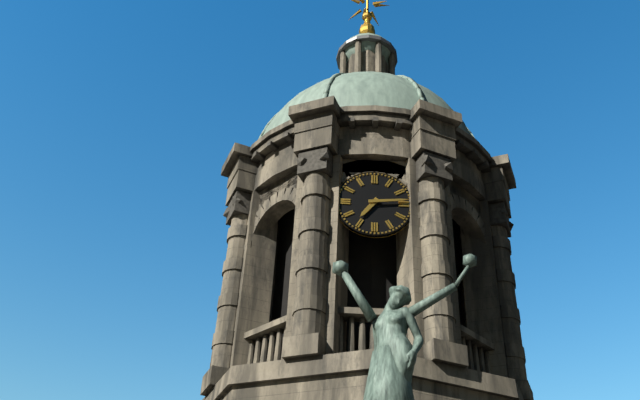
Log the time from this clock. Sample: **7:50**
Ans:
**7:14**
